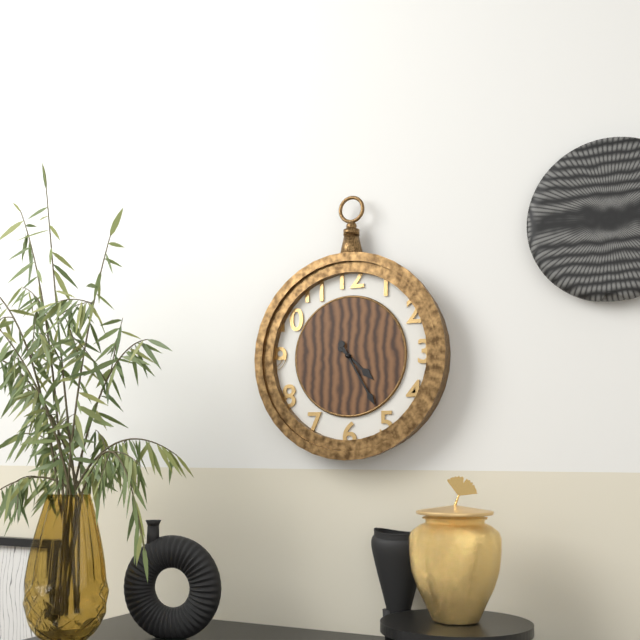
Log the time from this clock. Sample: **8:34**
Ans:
**4:25**
